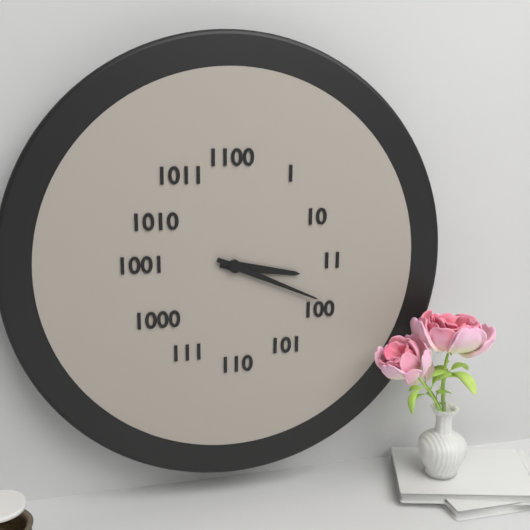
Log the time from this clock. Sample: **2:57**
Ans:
**3:19**
